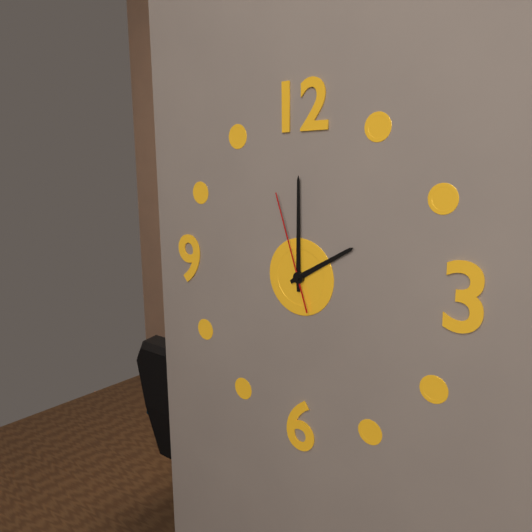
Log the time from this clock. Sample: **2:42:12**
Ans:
**2:00:57**
